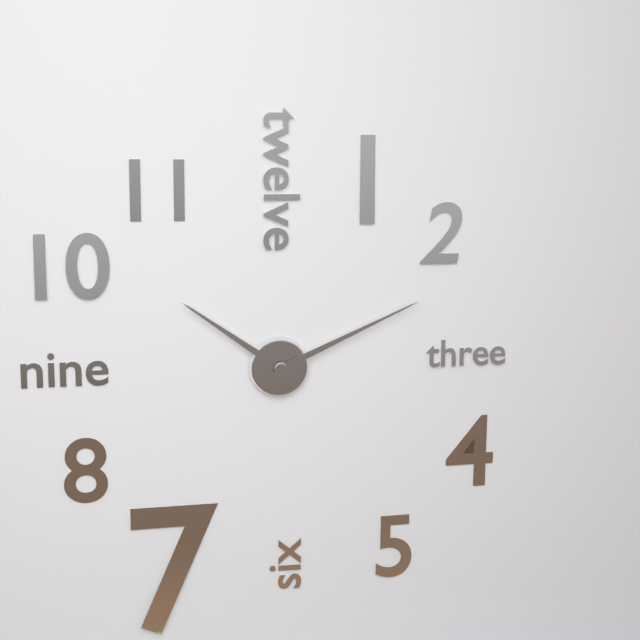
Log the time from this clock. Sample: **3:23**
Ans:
**10:11**
